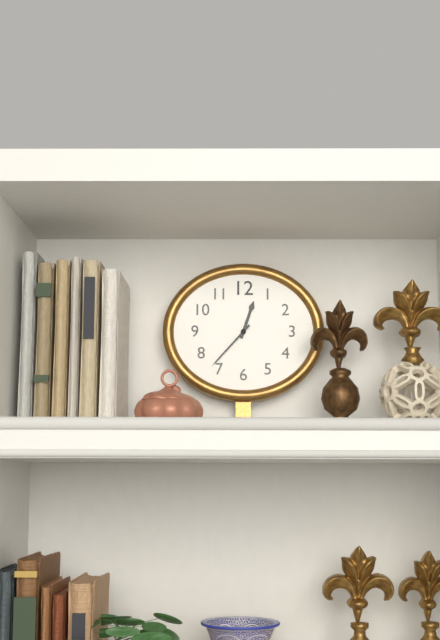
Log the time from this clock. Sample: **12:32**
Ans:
**12:37**
